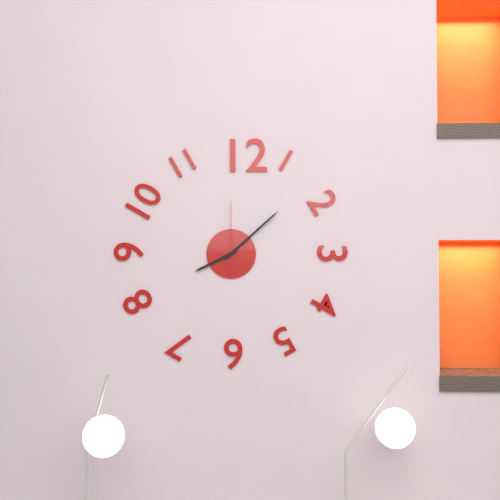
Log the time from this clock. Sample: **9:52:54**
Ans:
**8:08:00**
